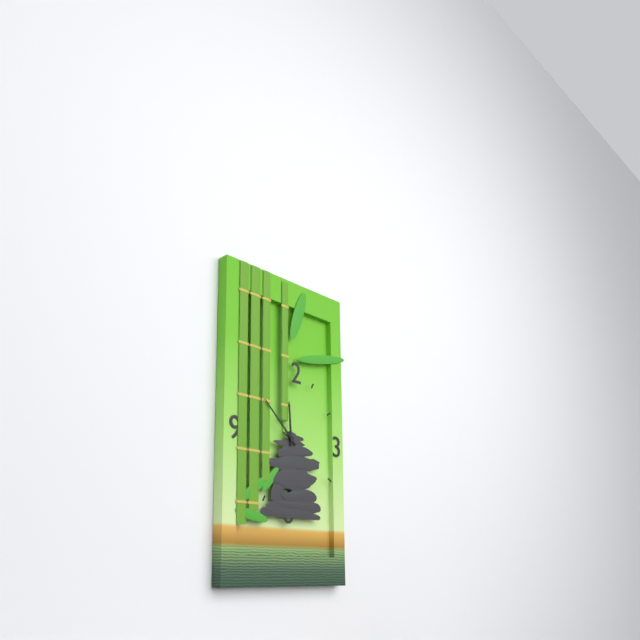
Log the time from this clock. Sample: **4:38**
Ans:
**11:52**
